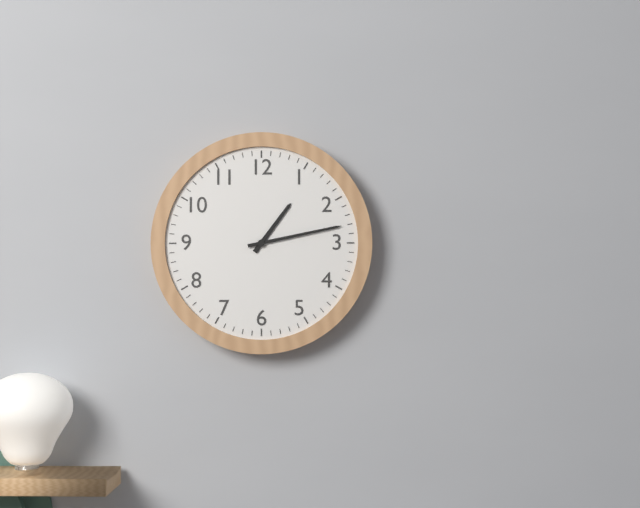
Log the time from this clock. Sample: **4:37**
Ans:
**1:13**
